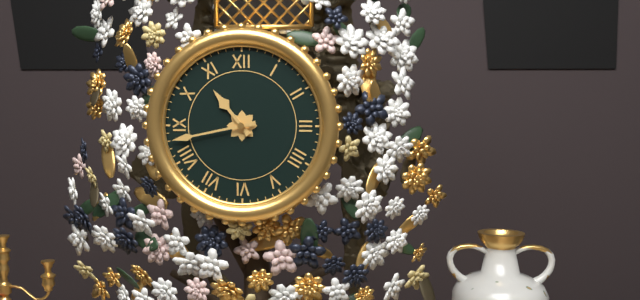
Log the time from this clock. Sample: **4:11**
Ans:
**10:43**
